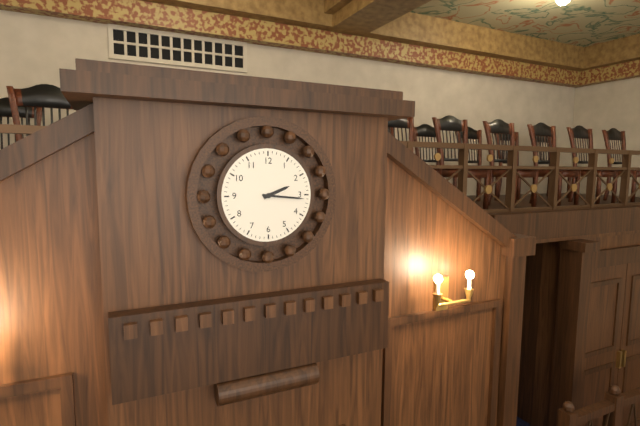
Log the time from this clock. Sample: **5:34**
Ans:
**2:16**
